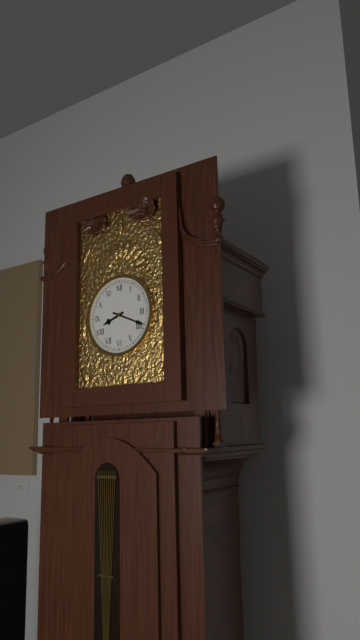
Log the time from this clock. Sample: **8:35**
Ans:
**8:19**
